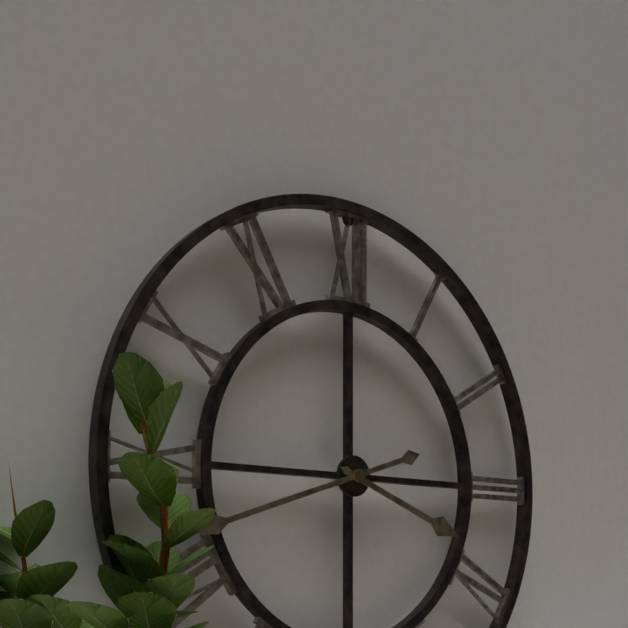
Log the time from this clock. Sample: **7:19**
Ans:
**3:42**
